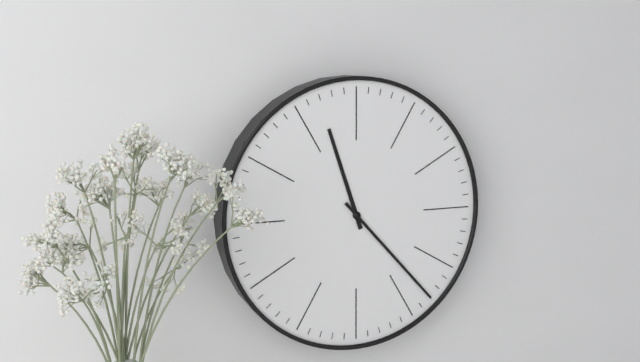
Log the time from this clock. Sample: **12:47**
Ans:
**11:23**
